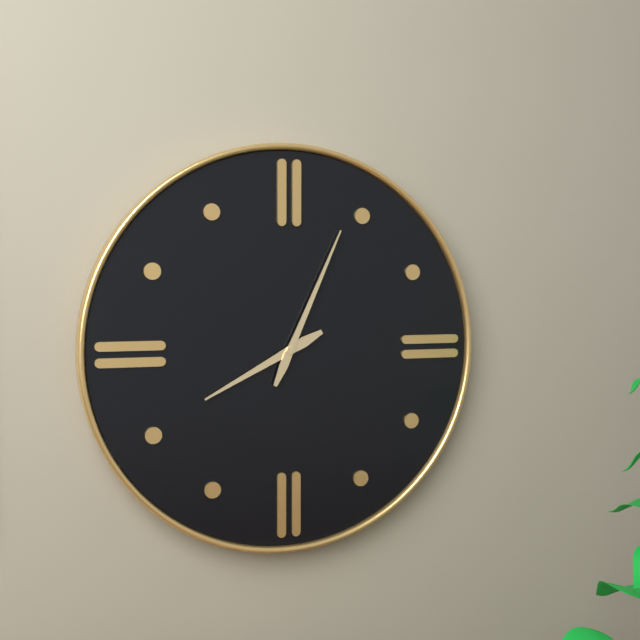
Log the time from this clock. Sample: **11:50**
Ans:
**8:04**
